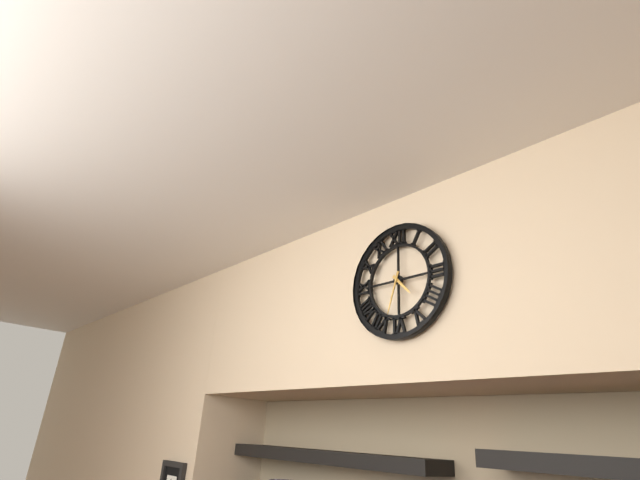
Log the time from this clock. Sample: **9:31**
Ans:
**4:33**
